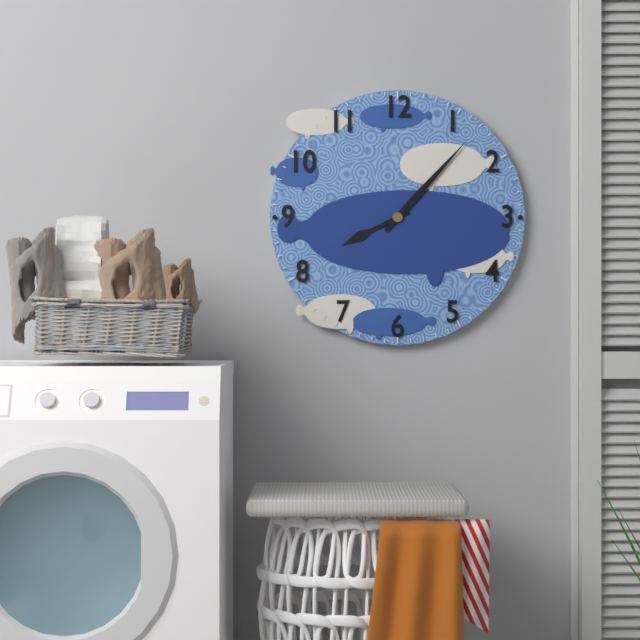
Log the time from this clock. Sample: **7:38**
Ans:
**8:07**
